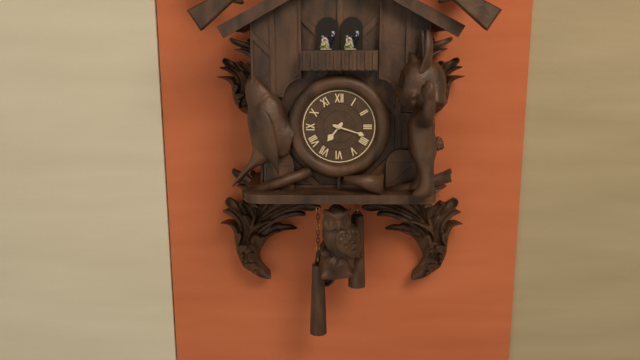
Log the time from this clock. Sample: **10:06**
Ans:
**7:18**
